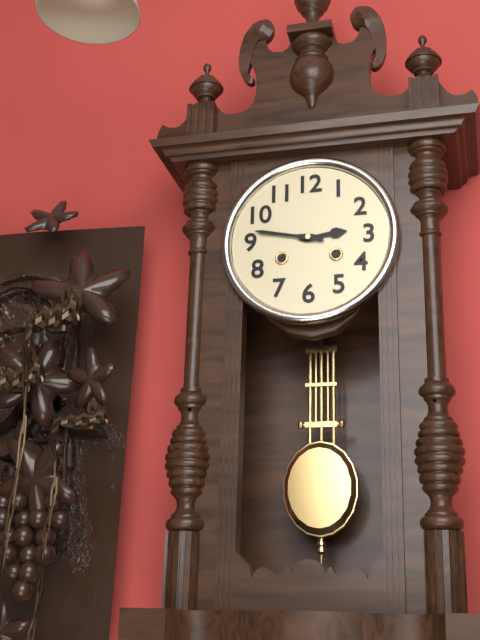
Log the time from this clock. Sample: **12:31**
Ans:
**2:47**
